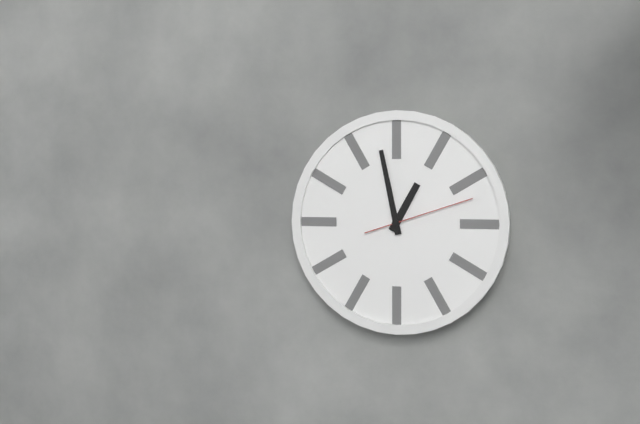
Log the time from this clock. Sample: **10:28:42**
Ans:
**12:58:12**
